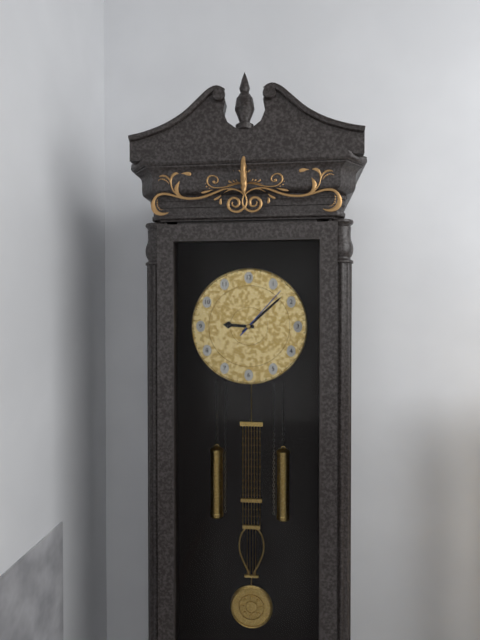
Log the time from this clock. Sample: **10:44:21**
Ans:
**9:08:07**
